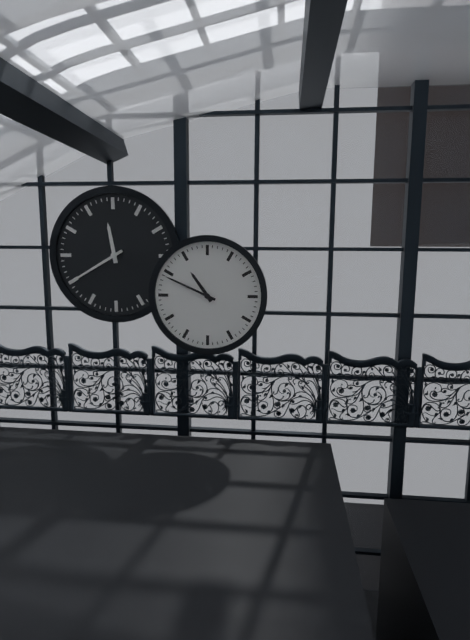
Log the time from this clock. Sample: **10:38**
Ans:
**10:49**
